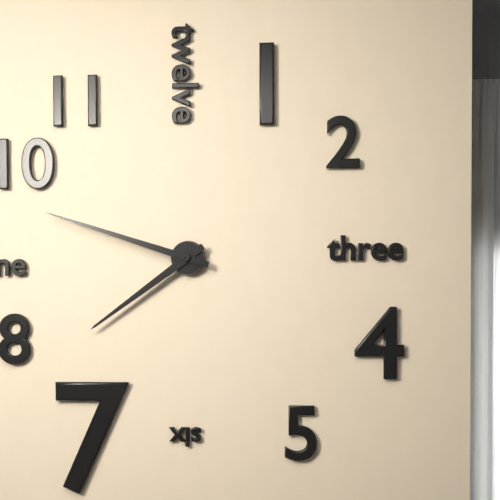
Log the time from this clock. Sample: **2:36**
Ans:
**7:48**
